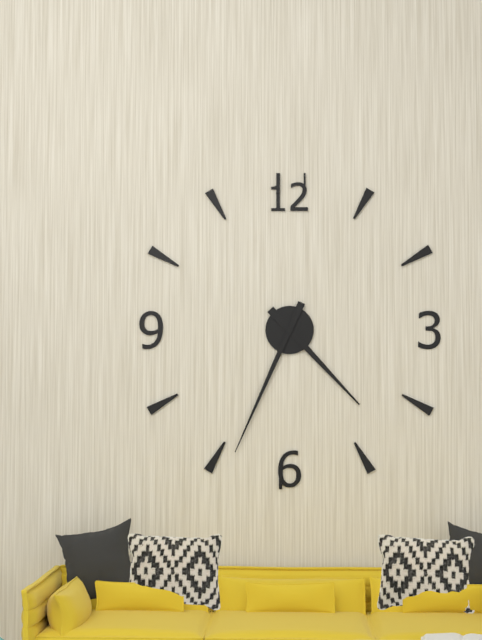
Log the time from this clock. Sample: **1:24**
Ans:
**4:34**
